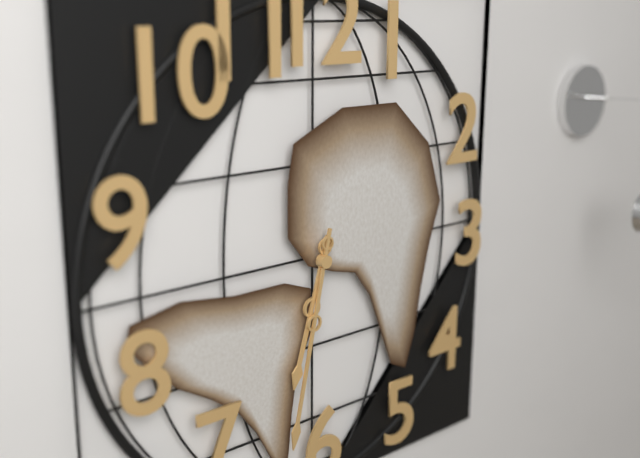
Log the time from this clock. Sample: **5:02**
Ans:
**6:32**
